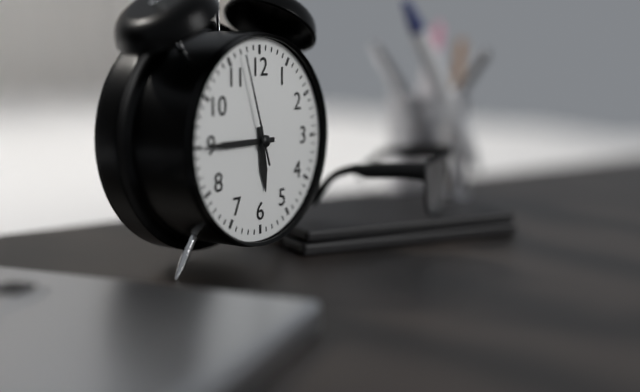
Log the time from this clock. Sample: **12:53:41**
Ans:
**5:45:57**
